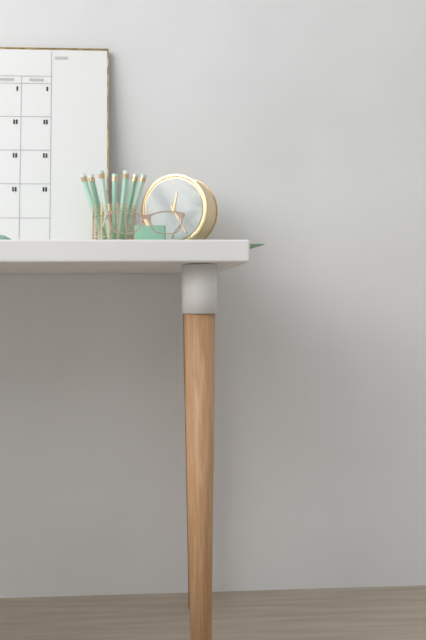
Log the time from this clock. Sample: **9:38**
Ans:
**12:25**
